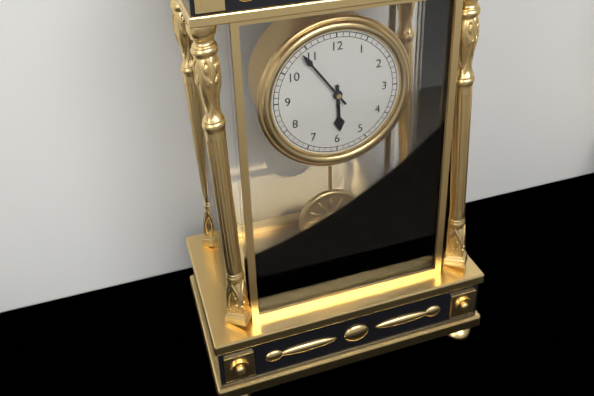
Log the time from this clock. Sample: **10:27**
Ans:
**5:54**
